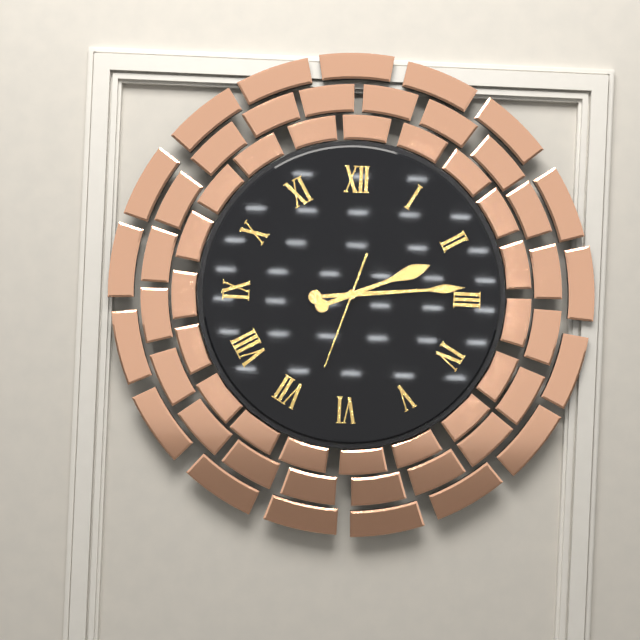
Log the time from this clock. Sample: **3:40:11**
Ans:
**2:14:33**
